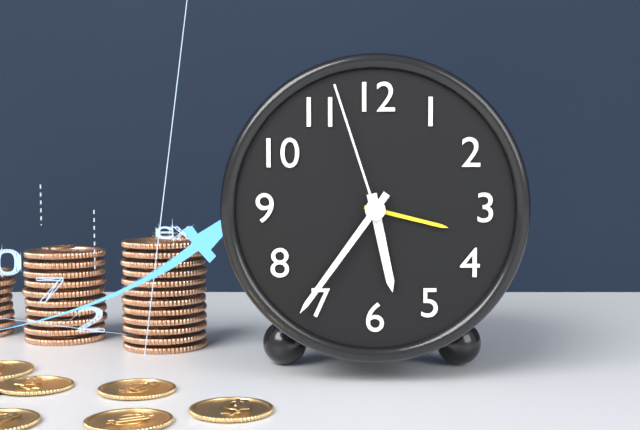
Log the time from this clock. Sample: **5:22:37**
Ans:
**5:36:57**
